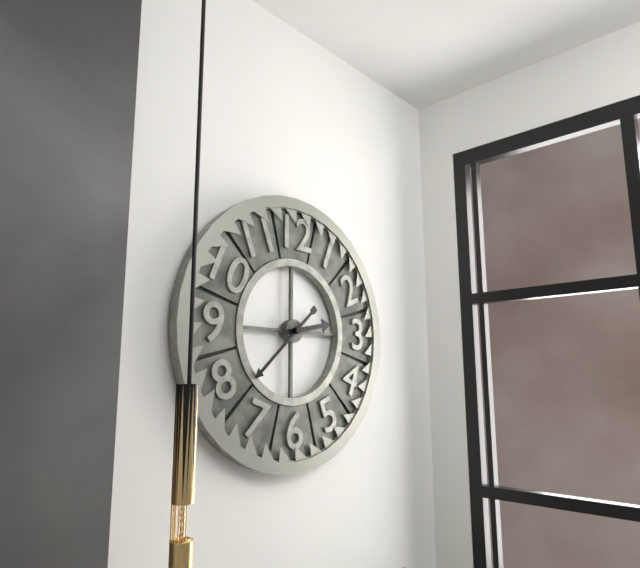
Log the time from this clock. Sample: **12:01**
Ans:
**2:38**
